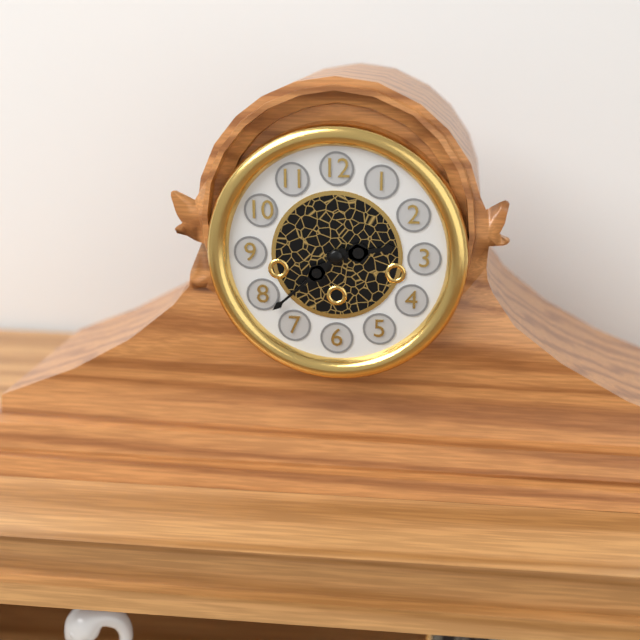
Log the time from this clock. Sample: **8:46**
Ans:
**2:38**
